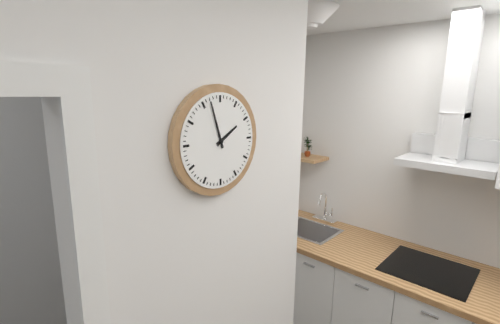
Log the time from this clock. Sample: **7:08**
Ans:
**1:57**
